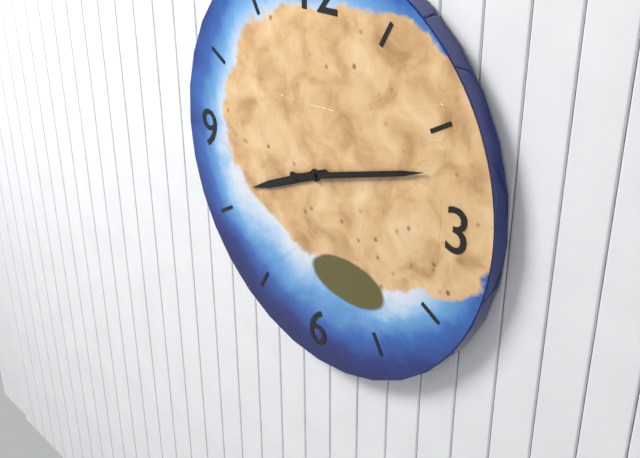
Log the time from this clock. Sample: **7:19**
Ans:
**8:12**
